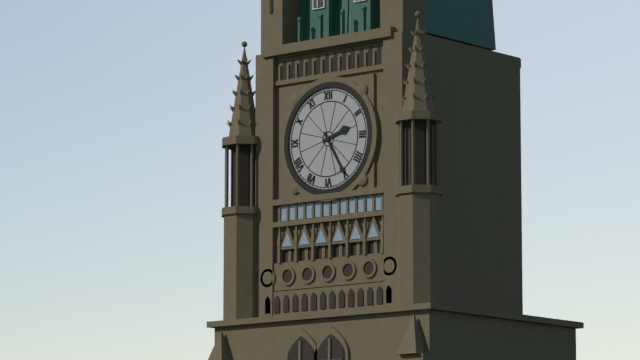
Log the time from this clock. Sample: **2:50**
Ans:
**2:25**
